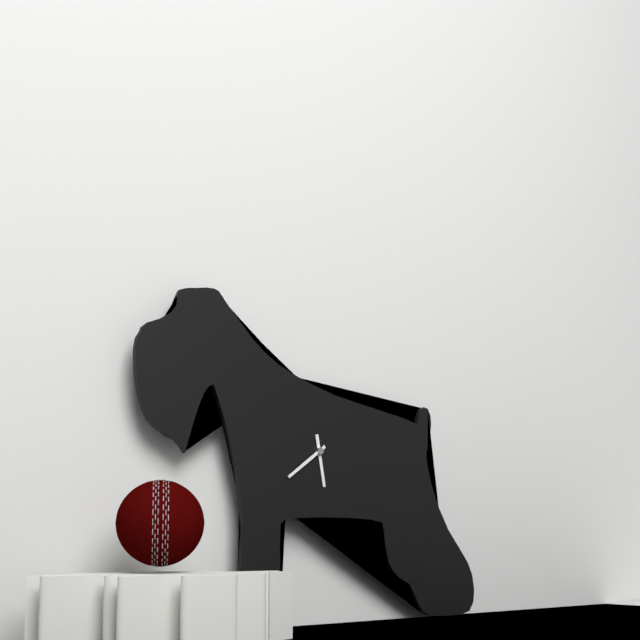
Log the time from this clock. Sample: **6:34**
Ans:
**5:39**
